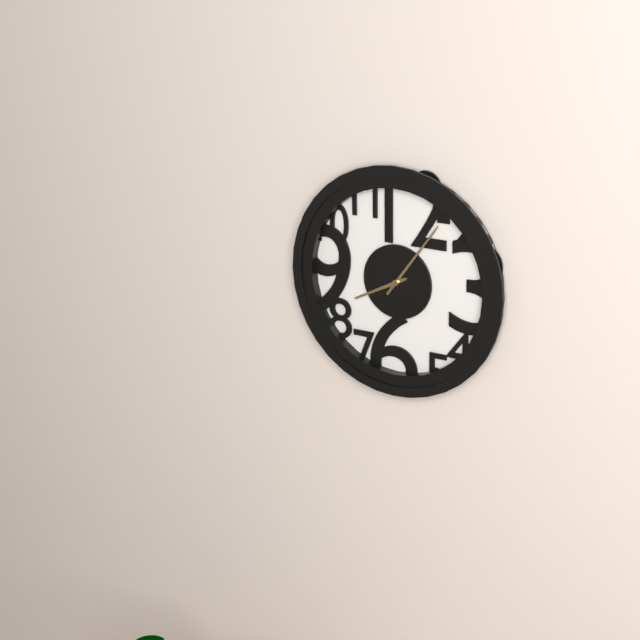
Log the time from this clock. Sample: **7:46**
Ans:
**8:06**
